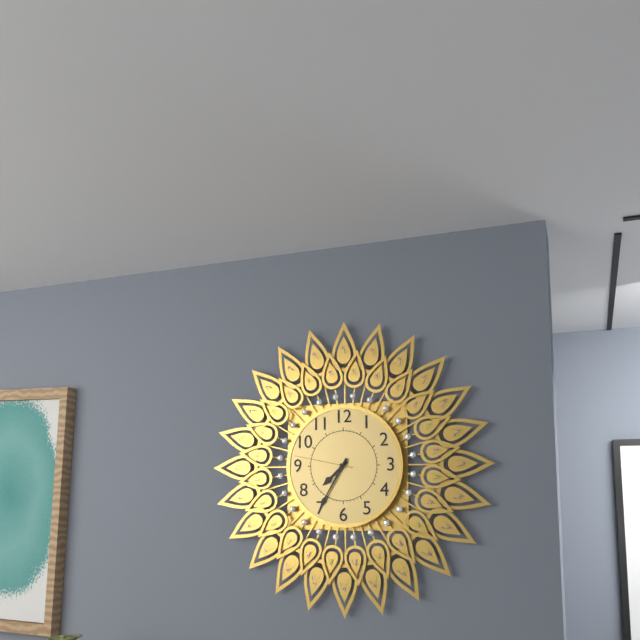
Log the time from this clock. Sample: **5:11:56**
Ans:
**7:35:47**
